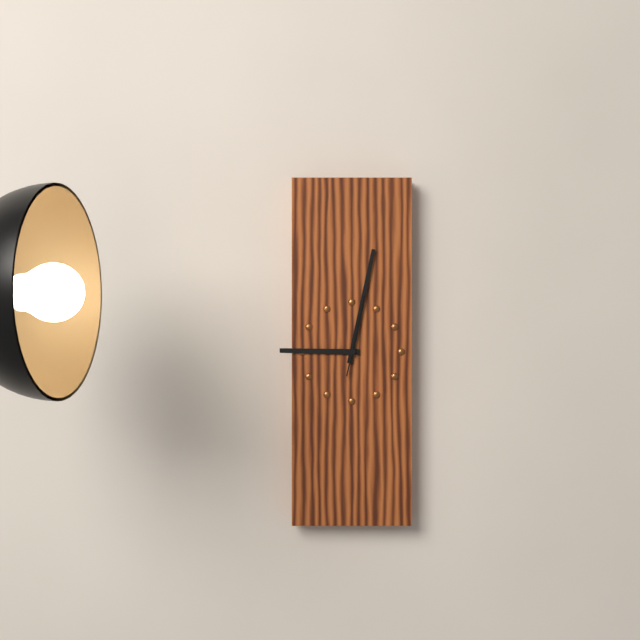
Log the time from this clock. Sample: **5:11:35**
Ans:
**9:02:02**
